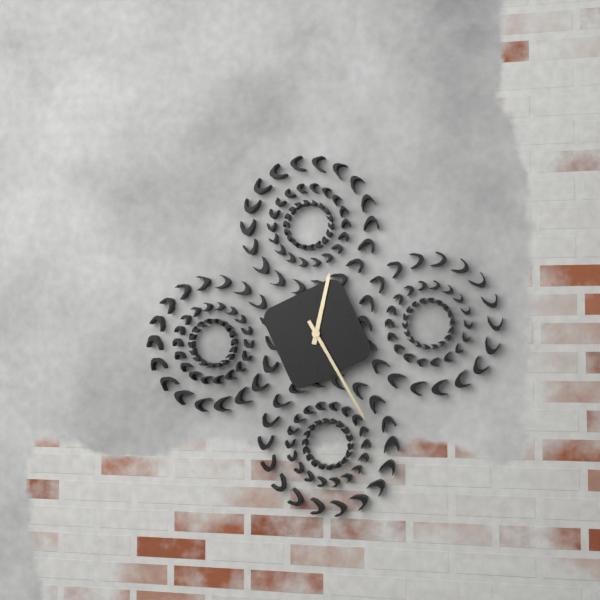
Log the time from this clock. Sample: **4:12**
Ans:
**12:25**
